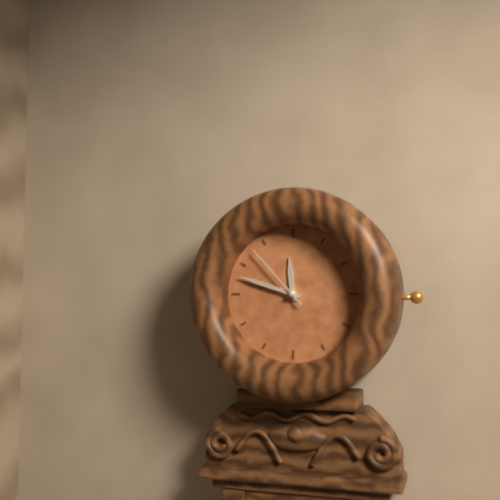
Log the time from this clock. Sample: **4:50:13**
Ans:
**11:48:53**
